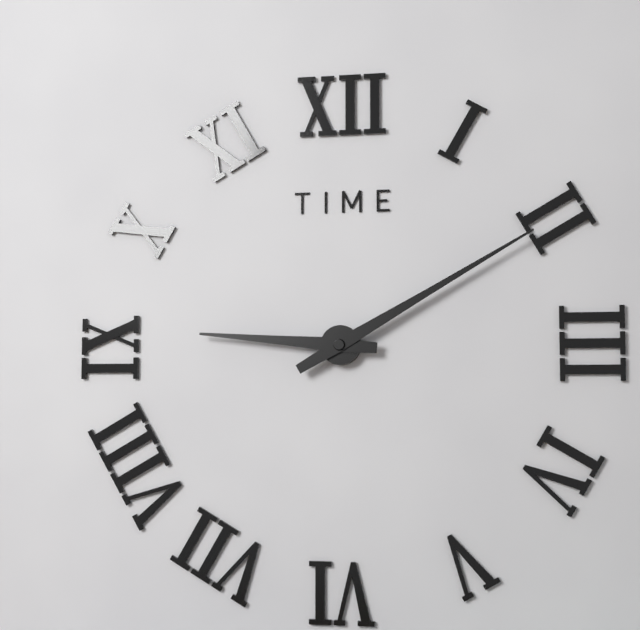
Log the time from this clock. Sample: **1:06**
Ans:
**9:10**
